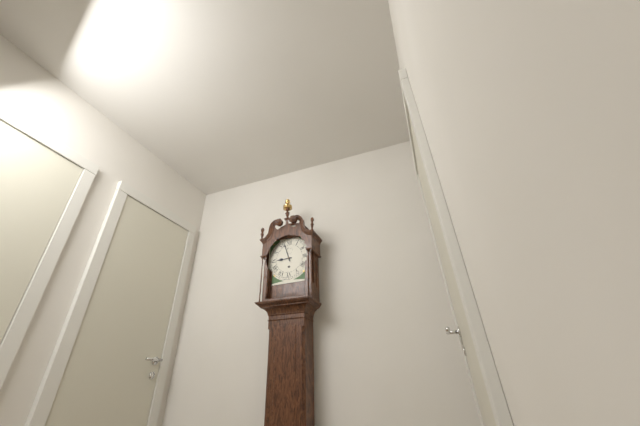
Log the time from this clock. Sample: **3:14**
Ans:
**8:57**
